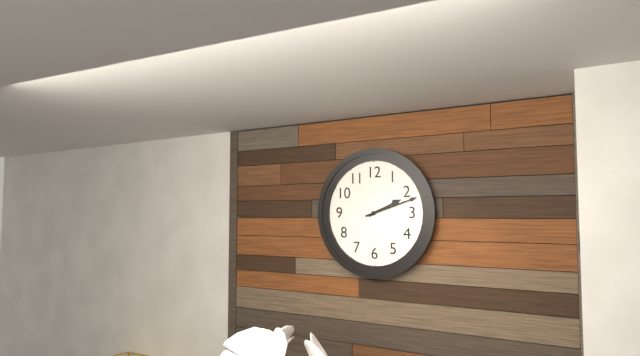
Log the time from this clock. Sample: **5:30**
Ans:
**2:12**
